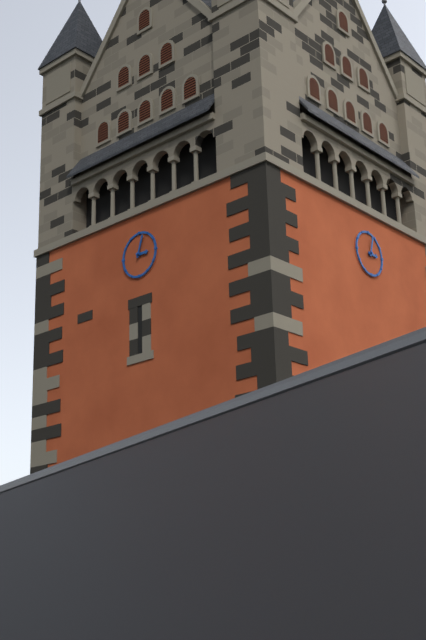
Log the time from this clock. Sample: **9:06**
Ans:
**3:03**
